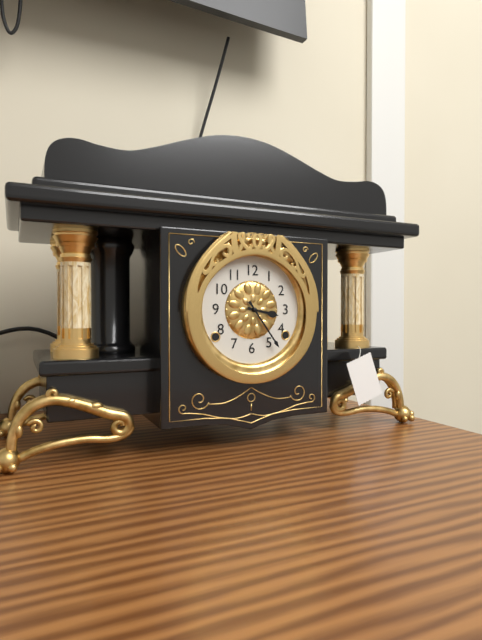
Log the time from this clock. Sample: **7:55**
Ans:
**3:24**
